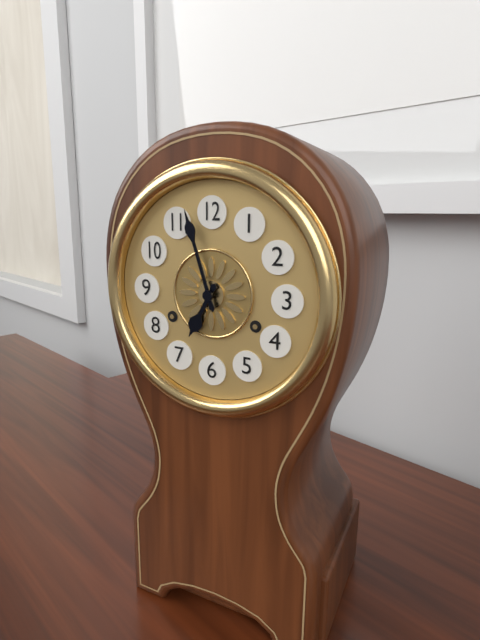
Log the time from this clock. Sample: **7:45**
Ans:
**6:57**
